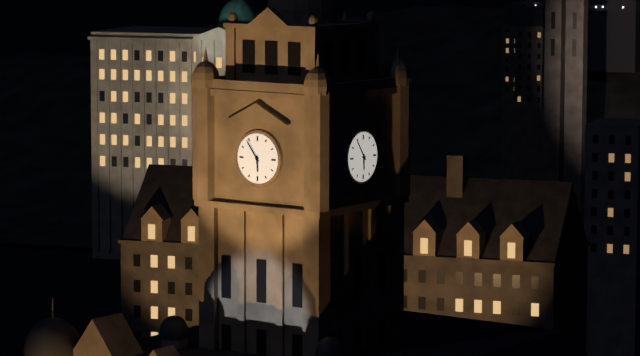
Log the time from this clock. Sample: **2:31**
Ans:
**5:54**
